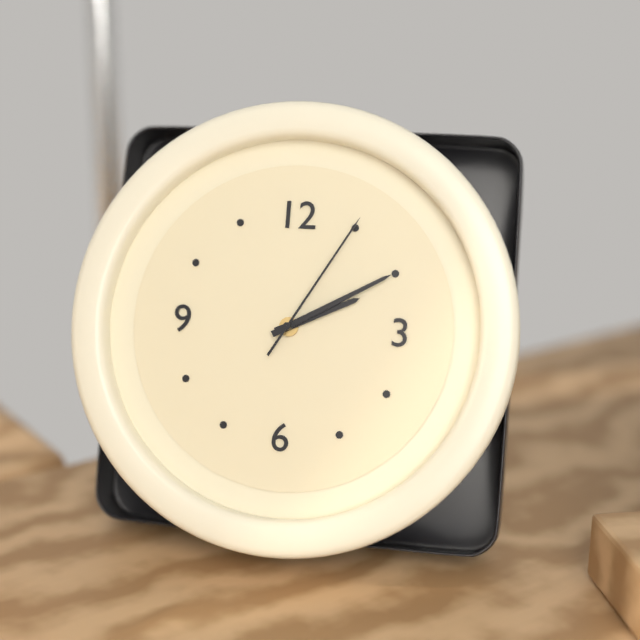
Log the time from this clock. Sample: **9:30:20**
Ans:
**2:10:05**
